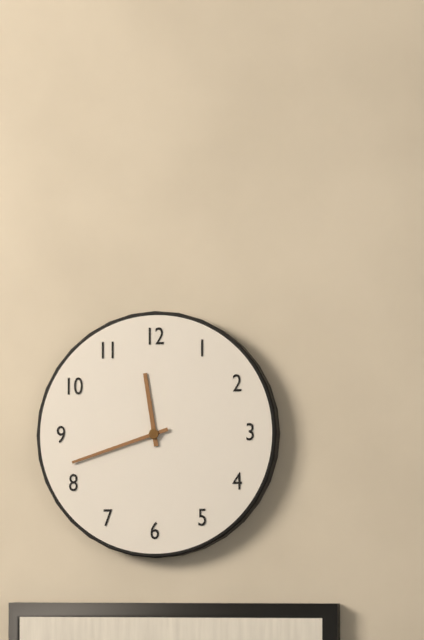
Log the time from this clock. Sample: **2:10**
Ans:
**11:42**
